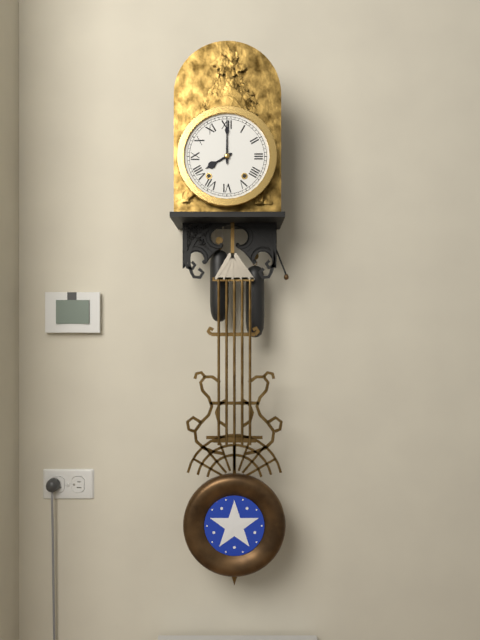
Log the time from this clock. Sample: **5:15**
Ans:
**8:00**
